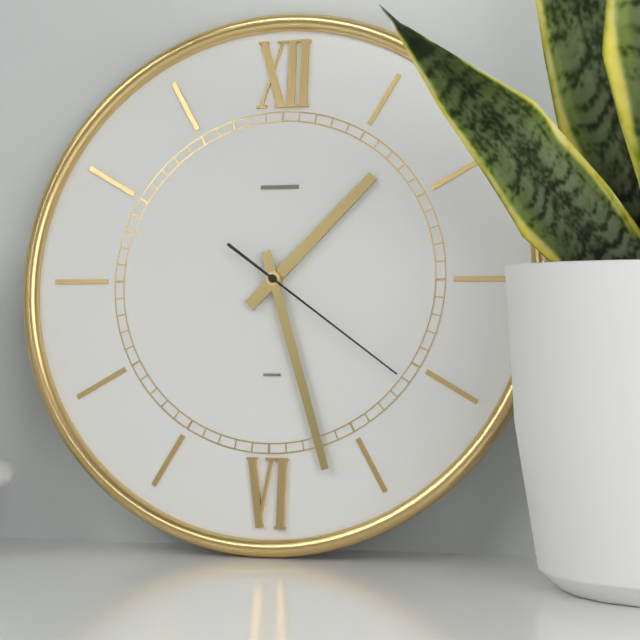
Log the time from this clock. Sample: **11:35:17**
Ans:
**1:27:21**
